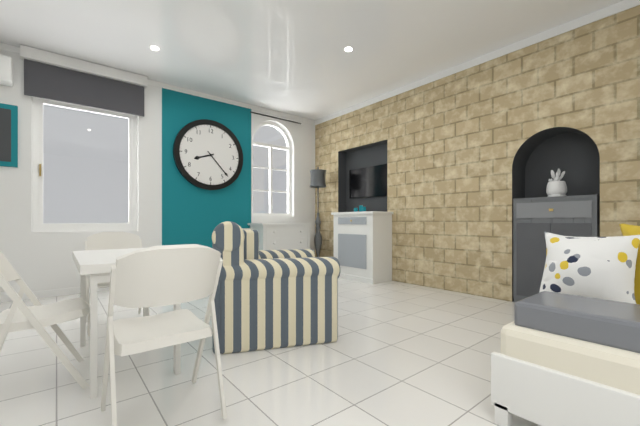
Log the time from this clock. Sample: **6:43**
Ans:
**8:23**
